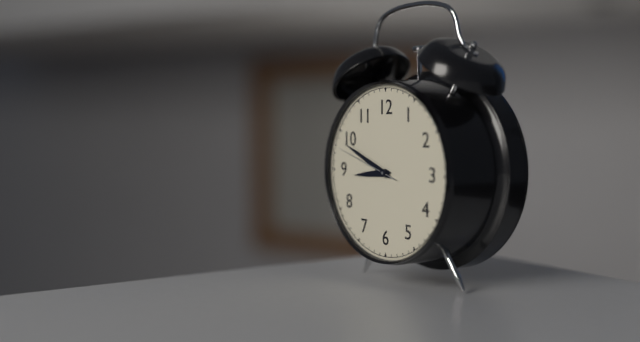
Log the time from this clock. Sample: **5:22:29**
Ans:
**8:49:48**
